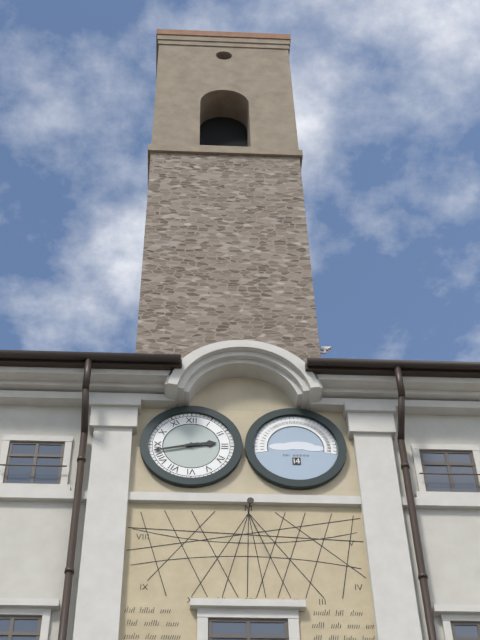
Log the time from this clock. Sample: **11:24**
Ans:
**2:43**
